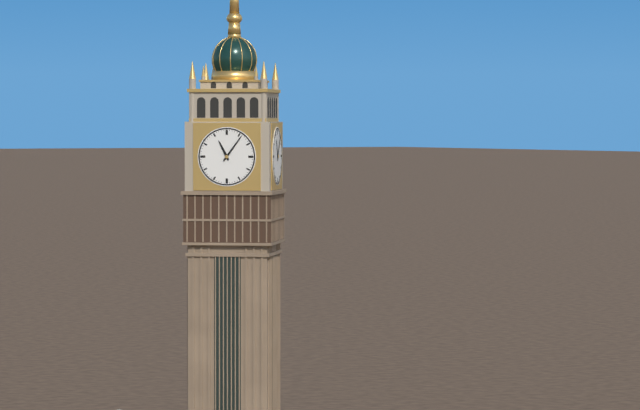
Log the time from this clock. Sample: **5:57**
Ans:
**11:06**
